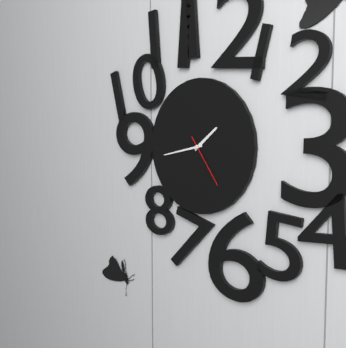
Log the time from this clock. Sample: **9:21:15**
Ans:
**1:43:24**
